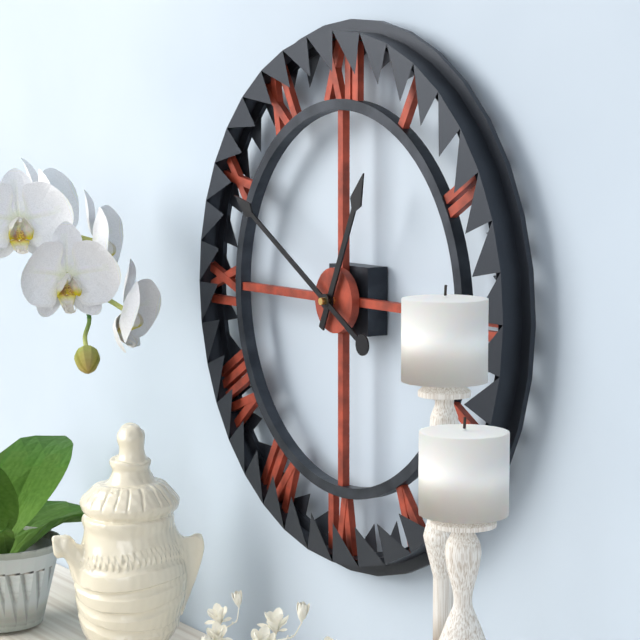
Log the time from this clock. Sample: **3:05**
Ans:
**12:50**
